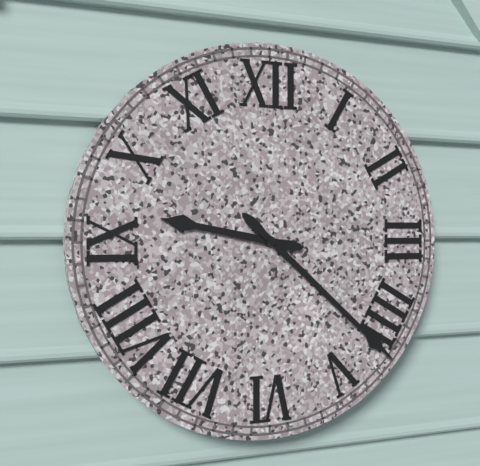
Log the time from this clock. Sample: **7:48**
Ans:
**9:22**
